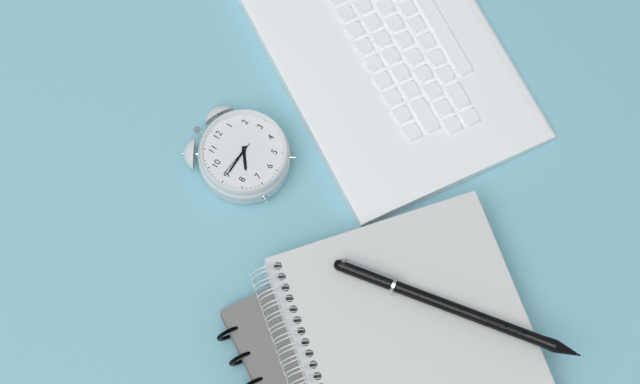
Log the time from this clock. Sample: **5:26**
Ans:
**7:45**
